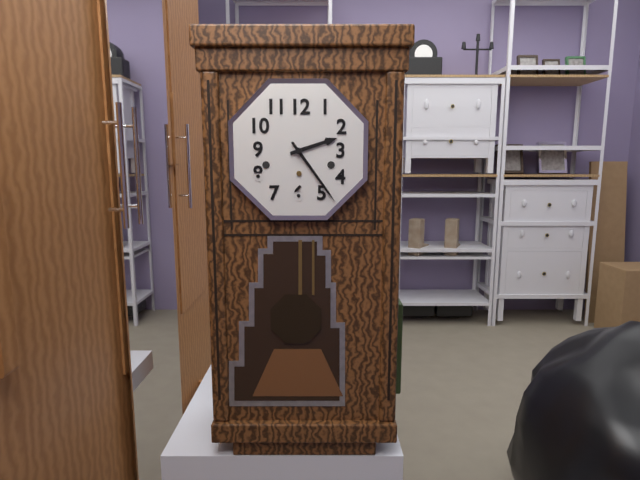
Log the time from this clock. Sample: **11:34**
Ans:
**2:24**
